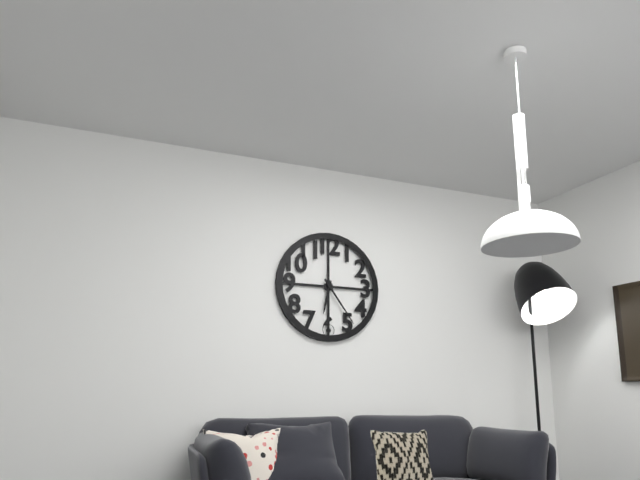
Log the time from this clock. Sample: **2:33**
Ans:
**6:24**
